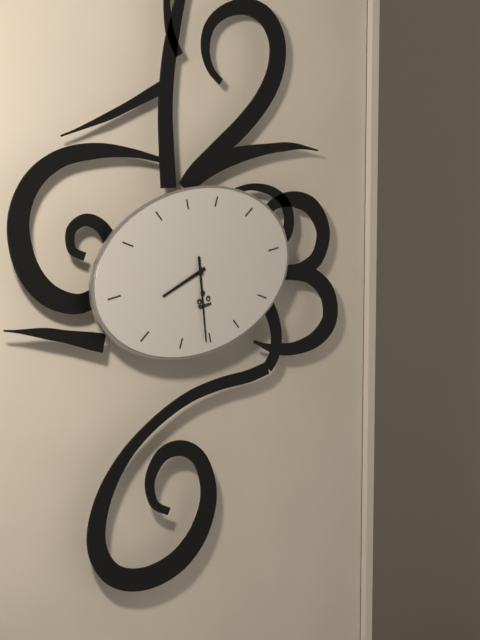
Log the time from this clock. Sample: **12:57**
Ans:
**8:31**
